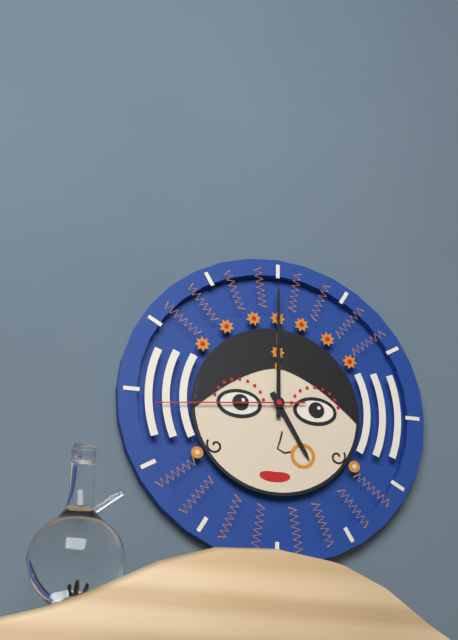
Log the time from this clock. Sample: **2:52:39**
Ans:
**5:00:44**
